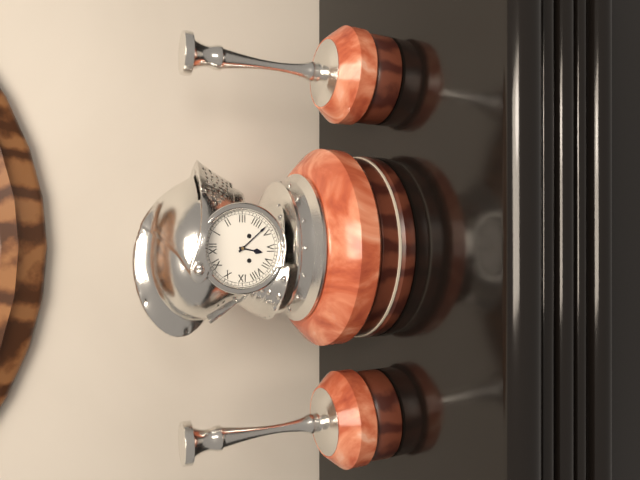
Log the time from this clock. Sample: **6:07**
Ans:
**6:23**
